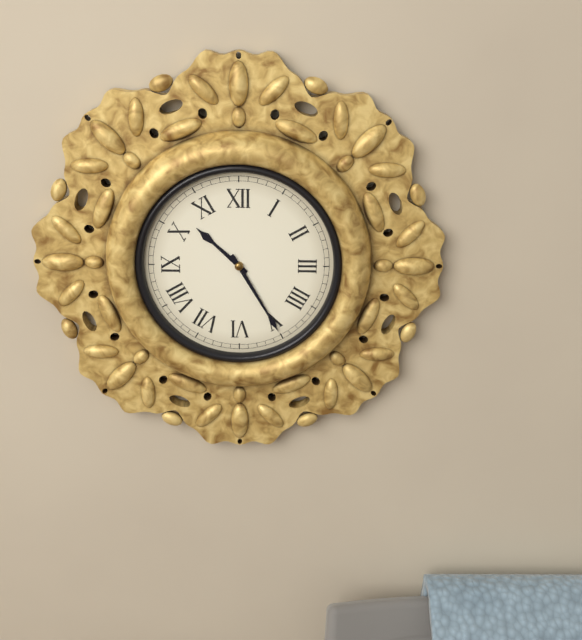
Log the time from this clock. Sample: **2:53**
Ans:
**10:25**
